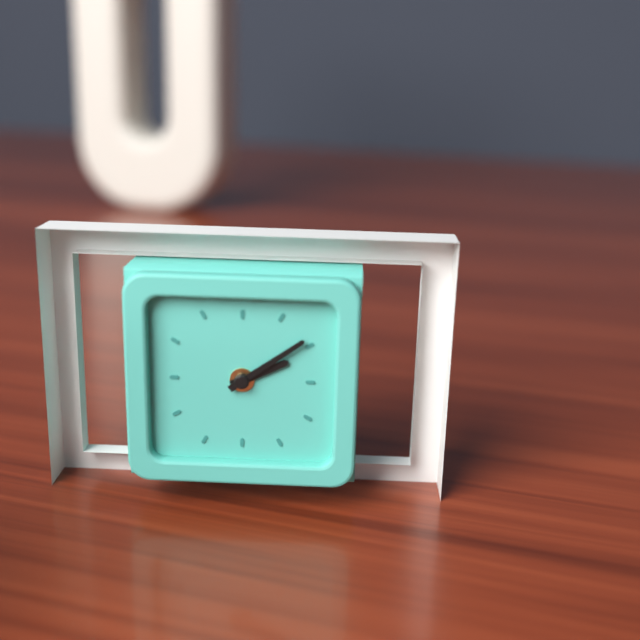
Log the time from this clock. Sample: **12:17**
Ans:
**2:09**
